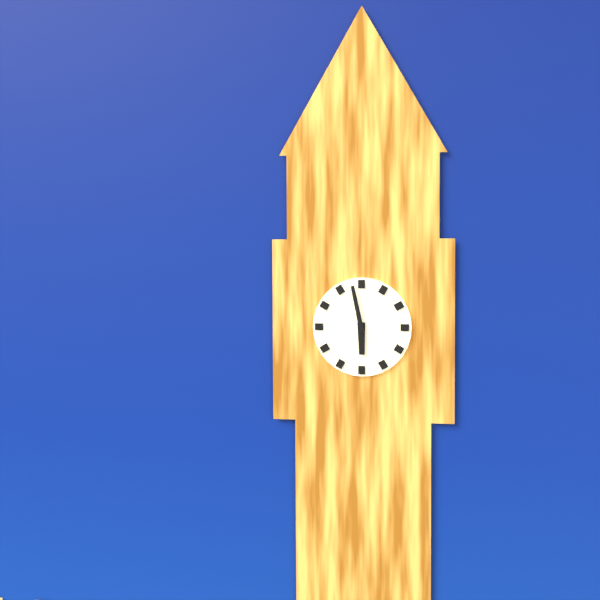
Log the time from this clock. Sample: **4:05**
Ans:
**5:58**
